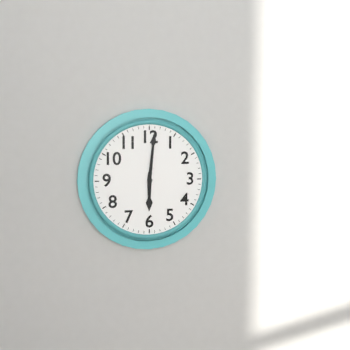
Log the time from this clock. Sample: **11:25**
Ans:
**6:01**
